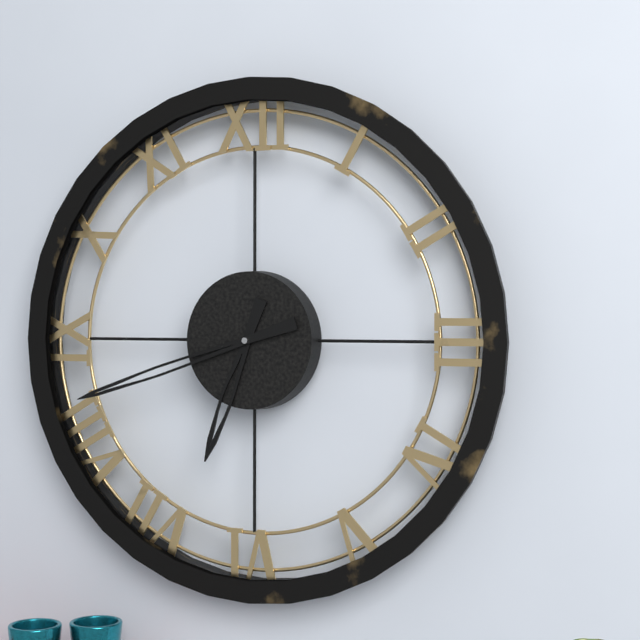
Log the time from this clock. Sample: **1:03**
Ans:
**6:42**
